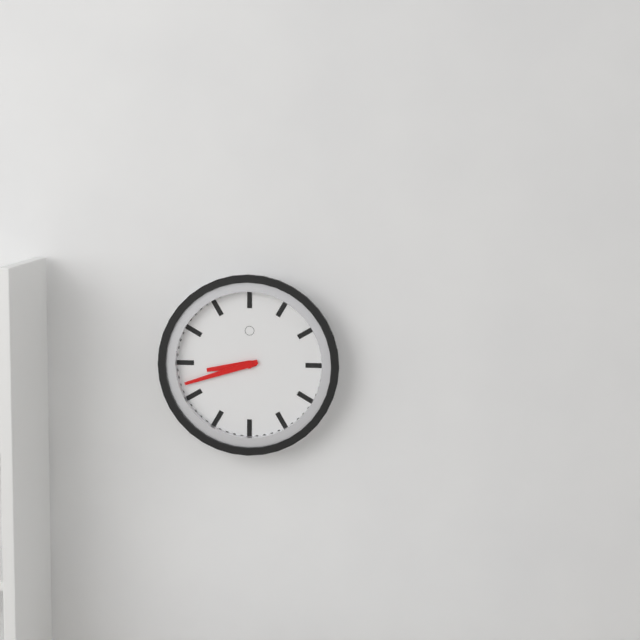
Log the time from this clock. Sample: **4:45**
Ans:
**8:42**
